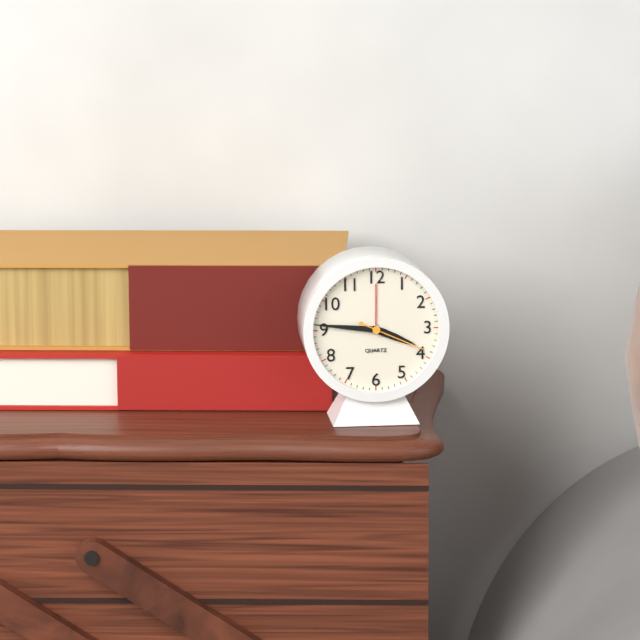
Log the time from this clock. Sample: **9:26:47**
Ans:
**3:46:19**
